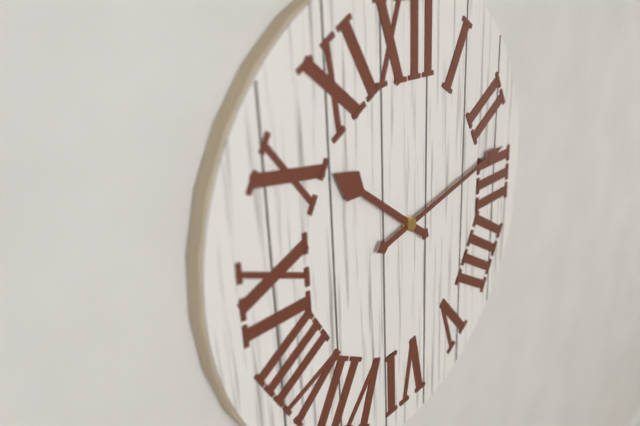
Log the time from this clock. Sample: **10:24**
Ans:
**10:13**
